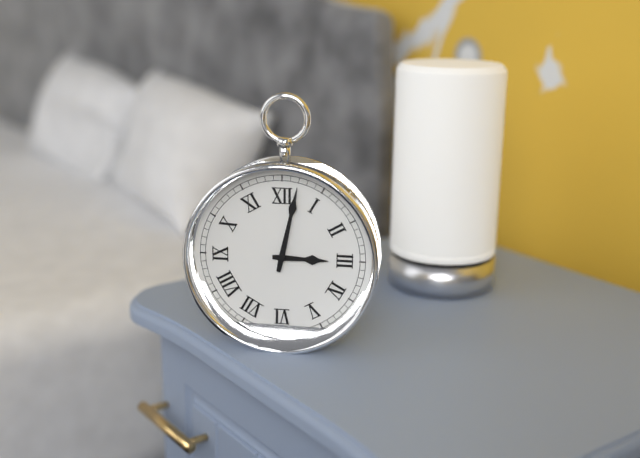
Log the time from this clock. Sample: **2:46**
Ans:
**3:02**
